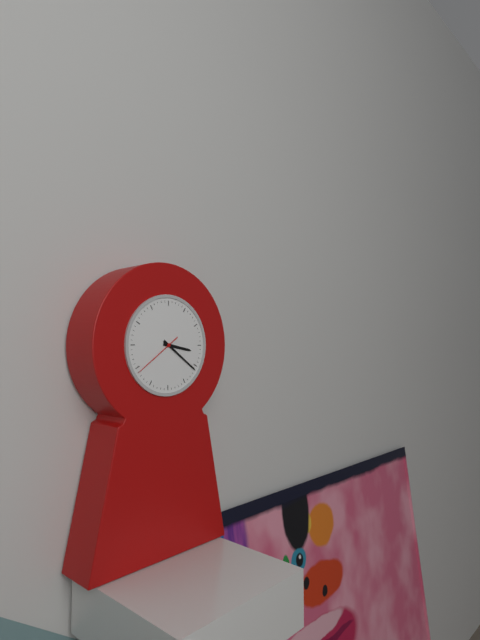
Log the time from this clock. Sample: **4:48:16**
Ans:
**3:21:39**
